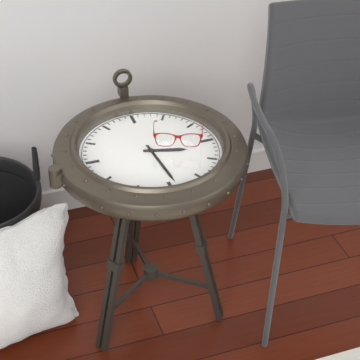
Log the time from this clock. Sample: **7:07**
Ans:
**3:29**
